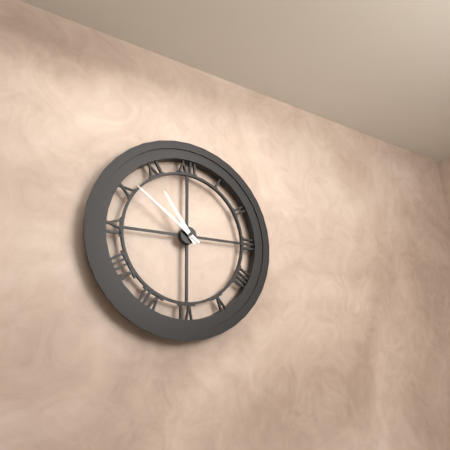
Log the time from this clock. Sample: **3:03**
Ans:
**10:51**
